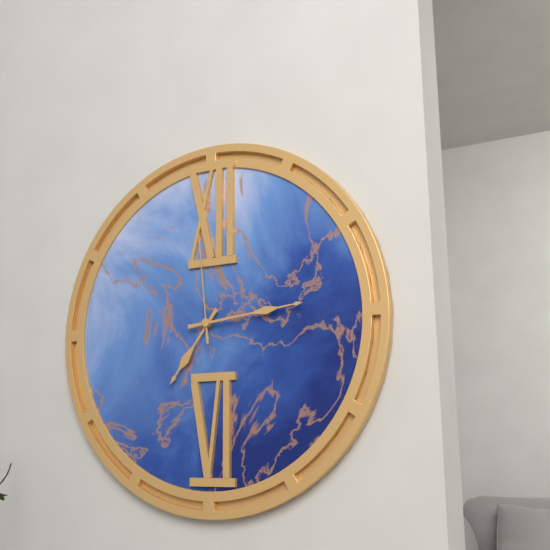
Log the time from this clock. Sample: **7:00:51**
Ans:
**7:14:59**
